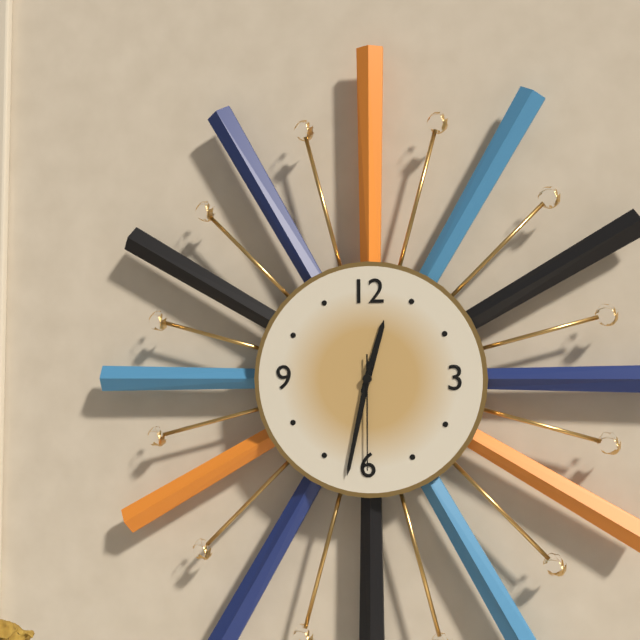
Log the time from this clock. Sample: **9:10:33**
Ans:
**12:32:30**
